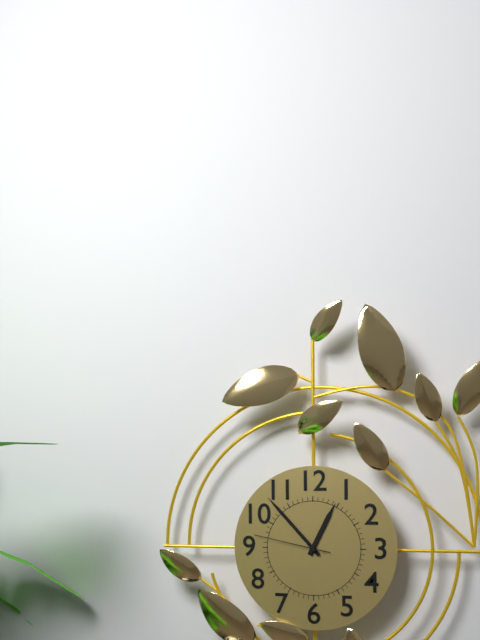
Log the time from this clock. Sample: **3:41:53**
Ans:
**12:53:47**
